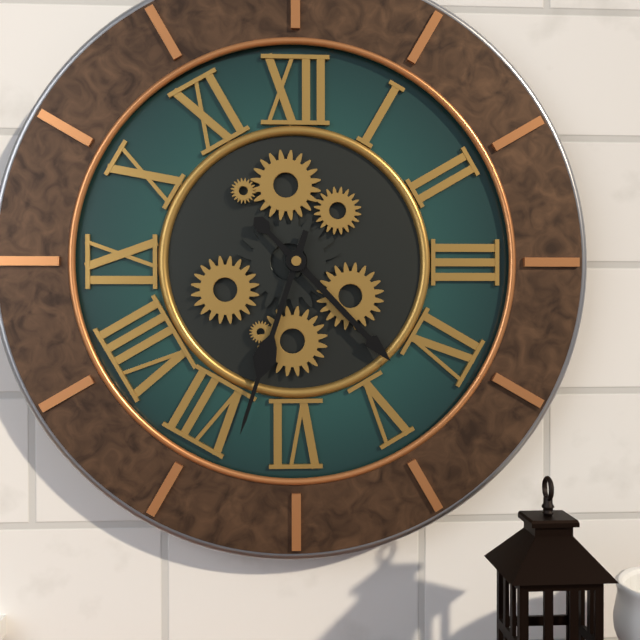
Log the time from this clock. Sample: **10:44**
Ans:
**4:33**
